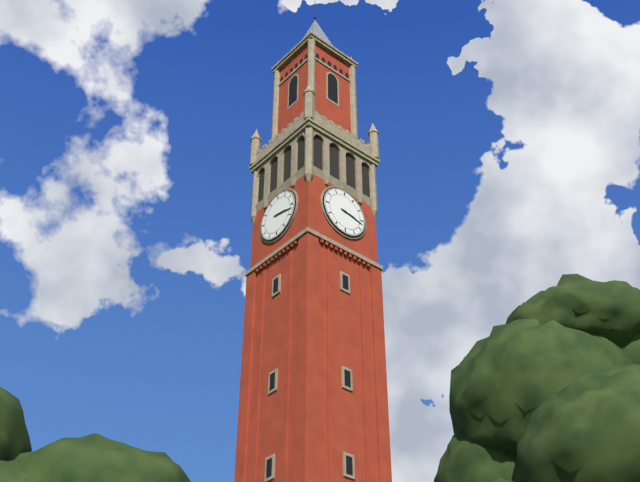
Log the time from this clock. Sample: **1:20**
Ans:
**3:17**
